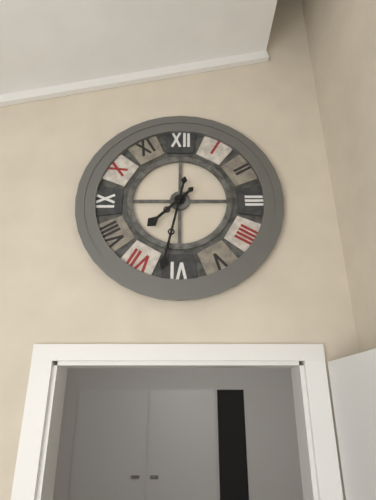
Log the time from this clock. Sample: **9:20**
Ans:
**7:32**
